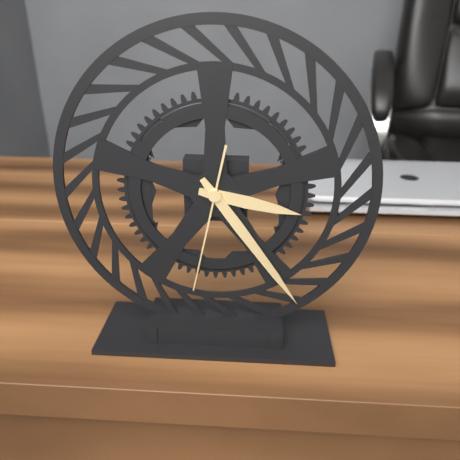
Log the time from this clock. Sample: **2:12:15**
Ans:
**3:24:32**
